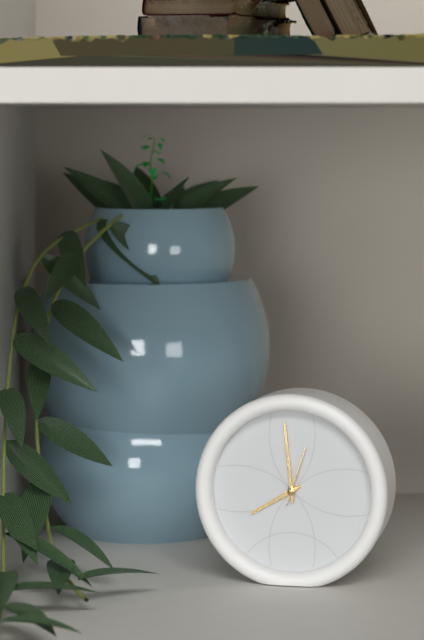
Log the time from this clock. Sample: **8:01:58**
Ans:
**7:59:03**
